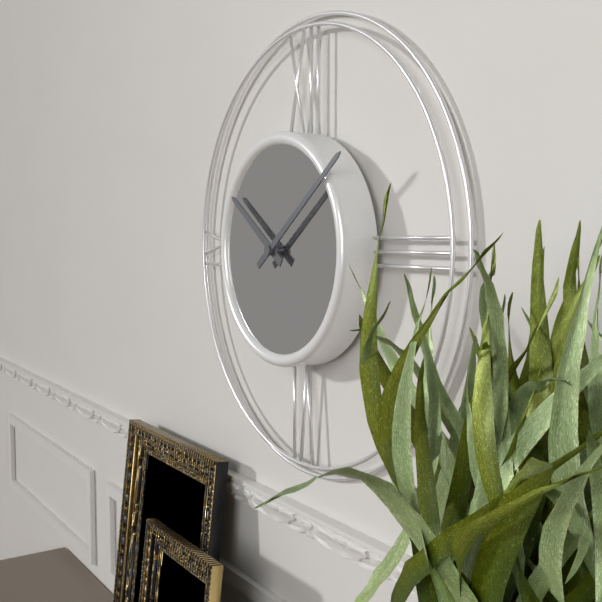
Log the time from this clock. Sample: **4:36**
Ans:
**10:09**
